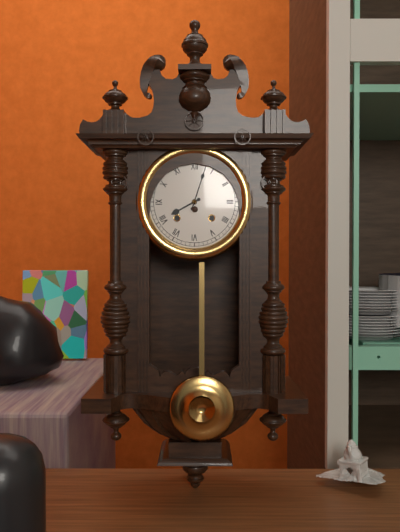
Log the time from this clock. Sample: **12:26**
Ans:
**8:03**
